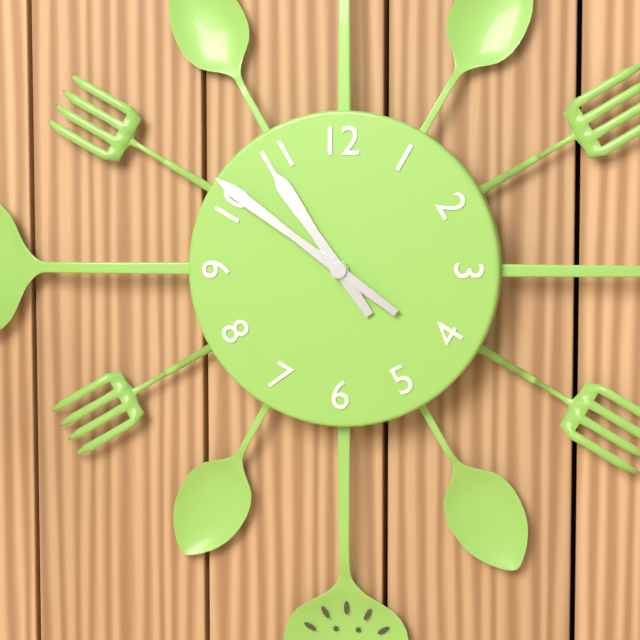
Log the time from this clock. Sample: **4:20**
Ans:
**10:51**
